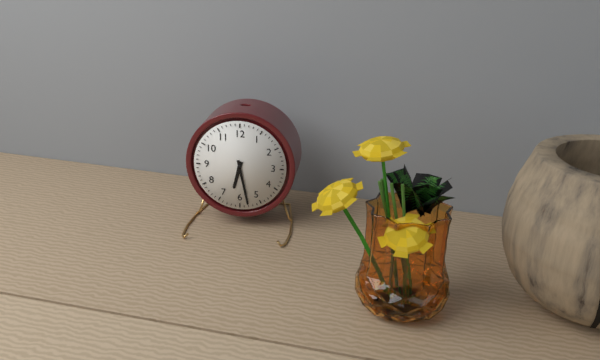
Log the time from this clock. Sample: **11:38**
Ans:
**6:28**
